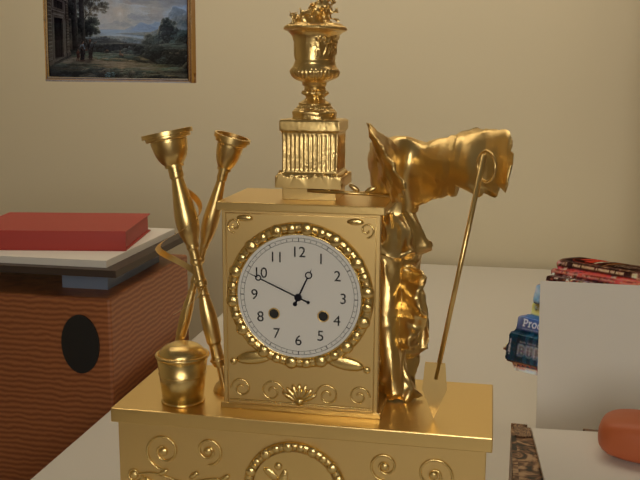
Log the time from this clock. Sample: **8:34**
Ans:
**12:49**
